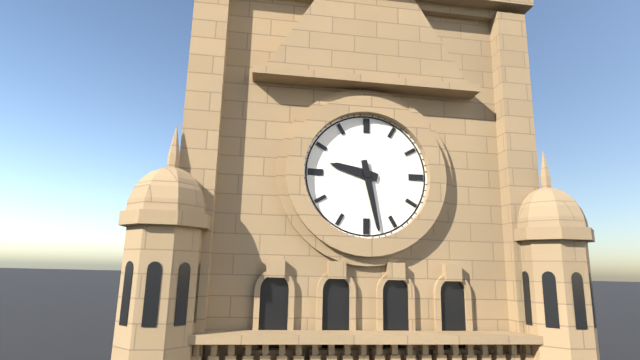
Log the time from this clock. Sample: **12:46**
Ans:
**9:28**
